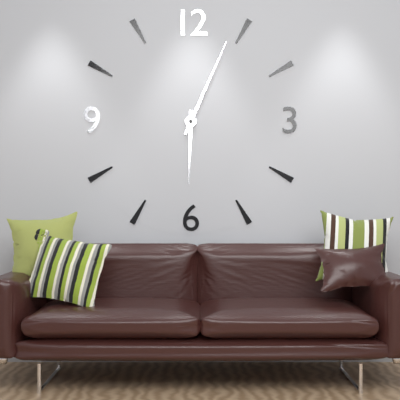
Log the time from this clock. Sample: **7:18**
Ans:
**6:04**
